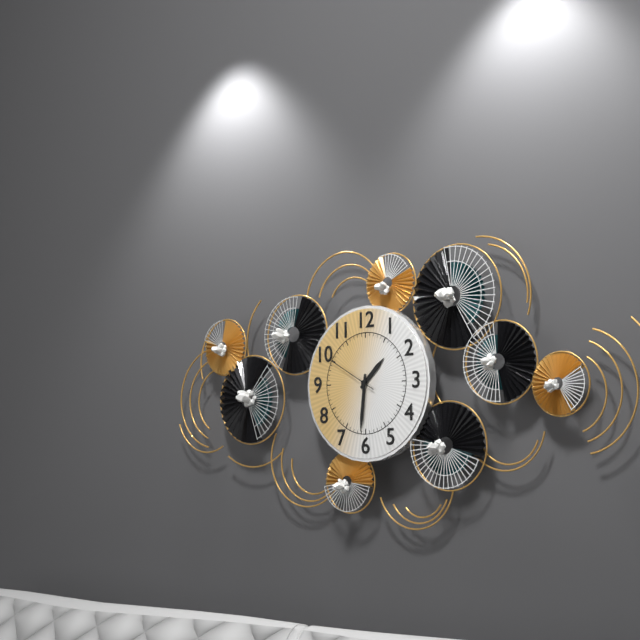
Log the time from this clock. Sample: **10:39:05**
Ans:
**1:31:50**
